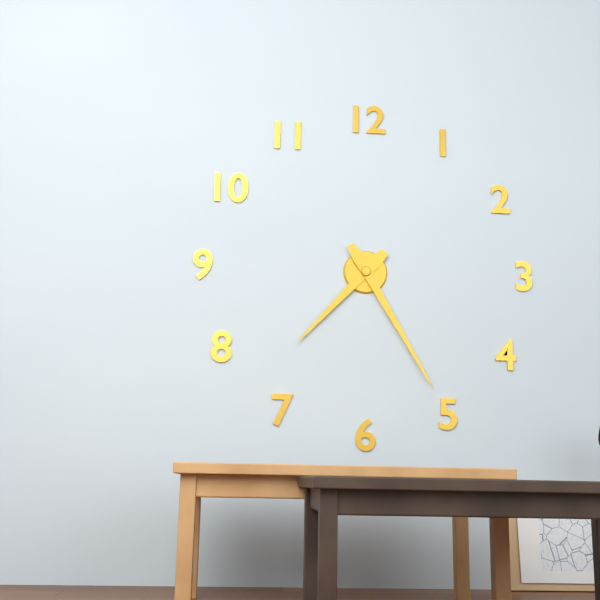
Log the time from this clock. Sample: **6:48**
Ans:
**7:25**
